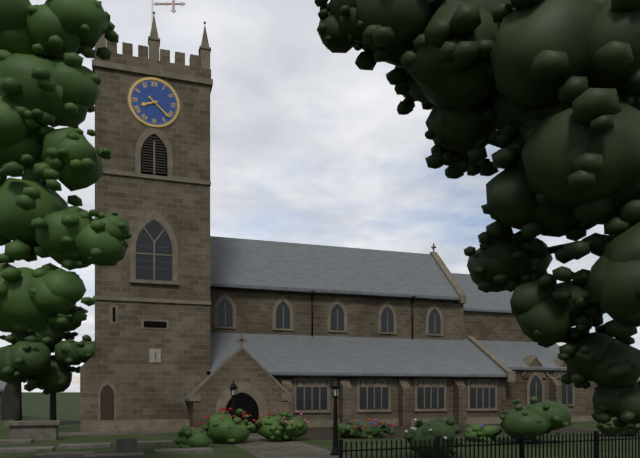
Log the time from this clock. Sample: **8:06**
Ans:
**8:22**
